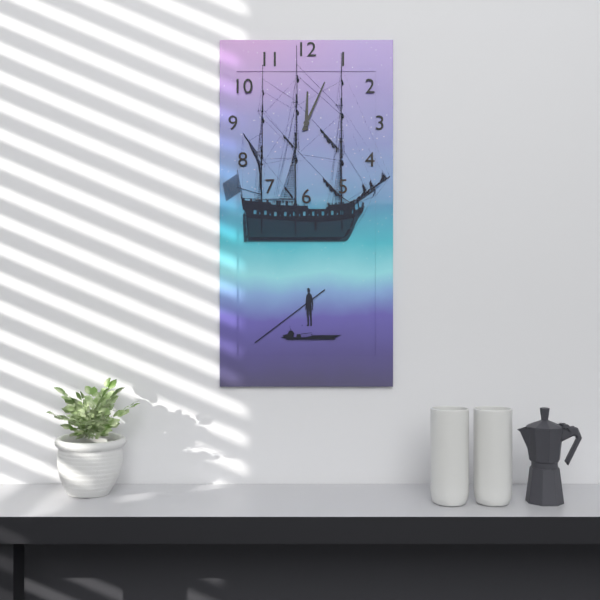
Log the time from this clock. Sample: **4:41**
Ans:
**12:04**
